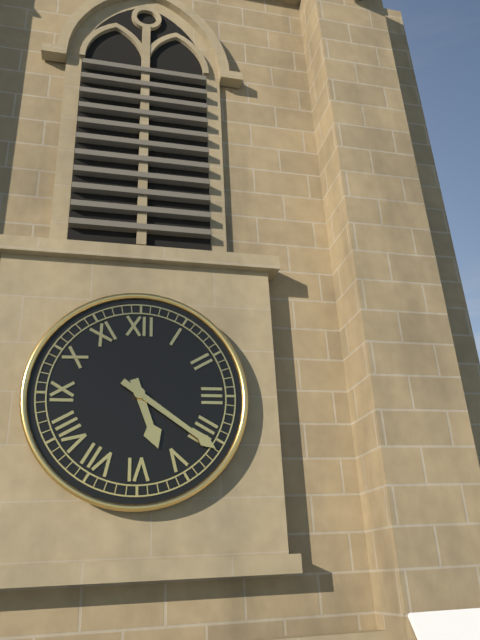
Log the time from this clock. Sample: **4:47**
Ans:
**5:21**
